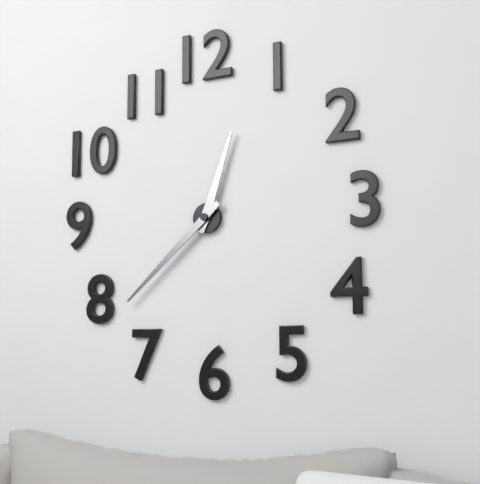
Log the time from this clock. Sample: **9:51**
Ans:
**12:38**
